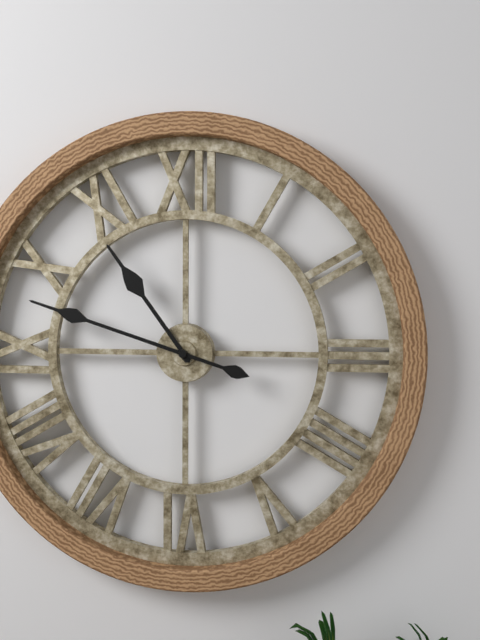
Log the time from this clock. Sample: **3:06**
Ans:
**10:48**
